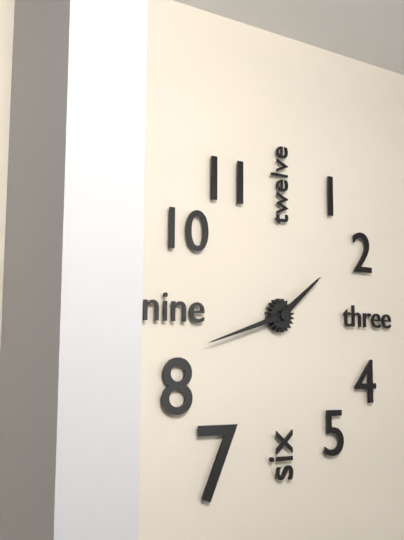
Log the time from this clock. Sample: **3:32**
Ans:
**1:42**
